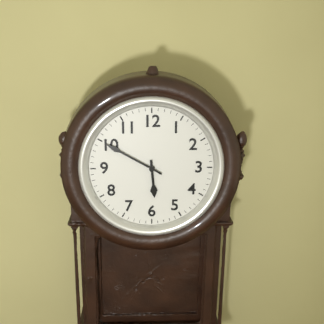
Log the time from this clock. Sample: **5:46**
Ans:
**5:50**
